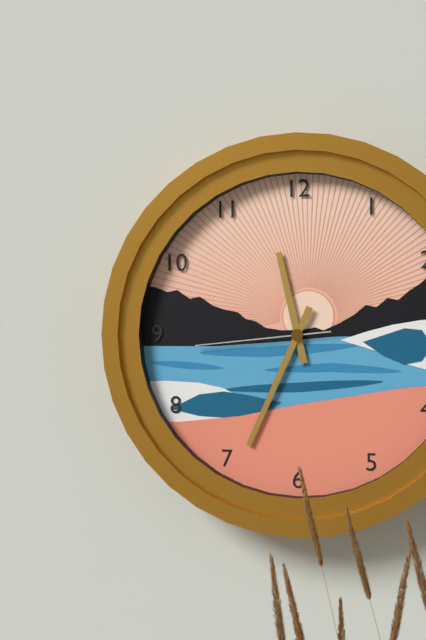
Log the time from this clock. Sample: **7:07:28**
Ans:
**11:34:44**
